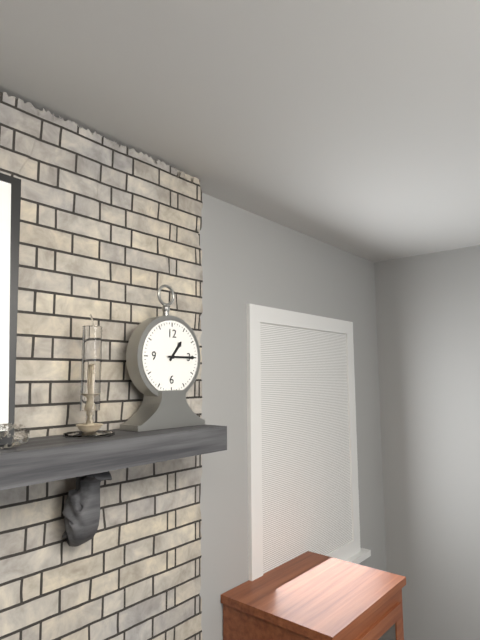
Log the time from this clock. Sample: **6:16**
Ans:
**1:15**
